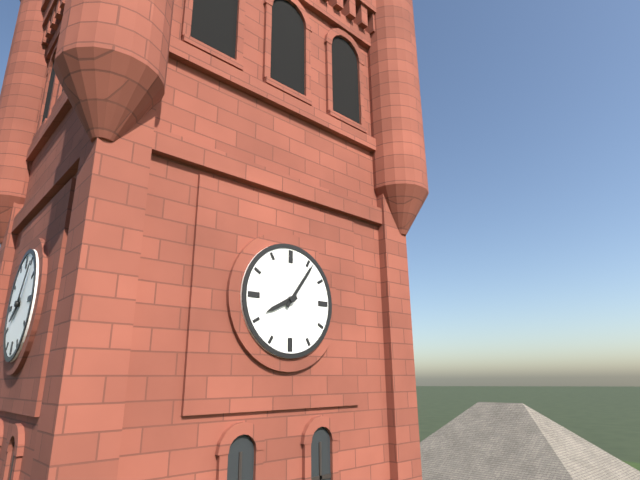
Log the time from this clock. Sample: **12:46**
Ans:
**8:06**
